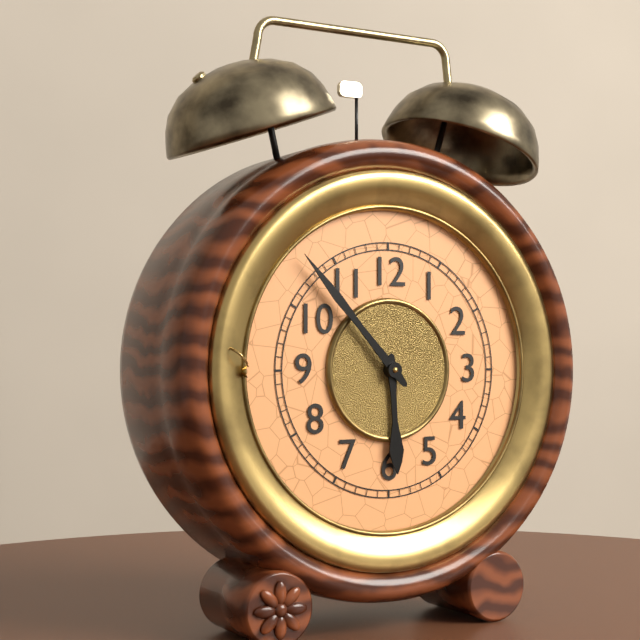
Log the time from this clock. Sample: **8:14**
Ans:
**5:53**
